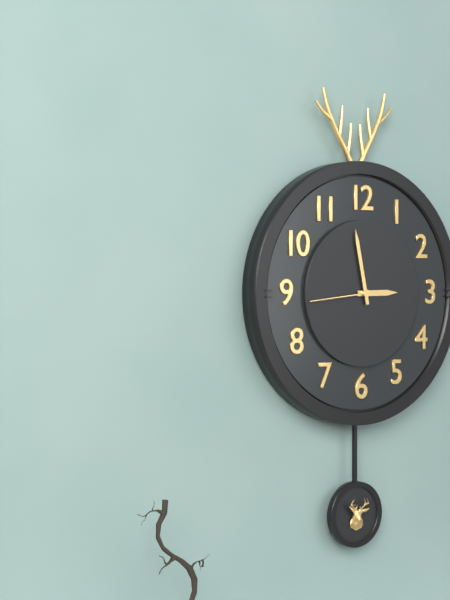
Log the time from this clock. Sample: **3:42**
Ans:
**2:58**
